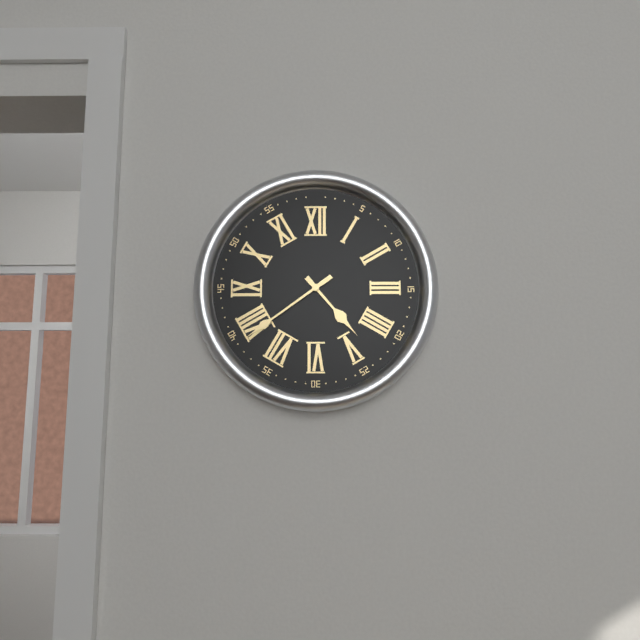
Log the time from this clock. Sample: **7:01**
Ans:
**4:39**
